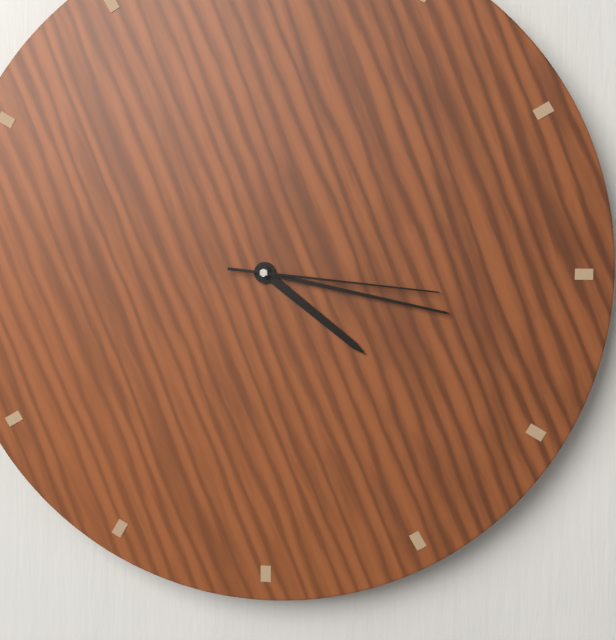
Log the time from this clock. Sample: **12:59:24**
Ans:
**4:17:16**
